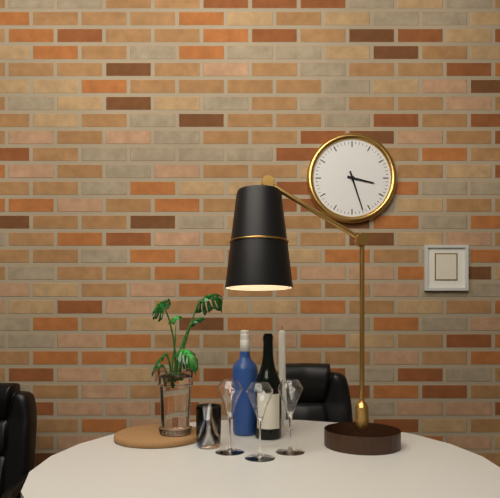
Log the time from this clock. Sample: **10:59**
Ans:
**3:27**
